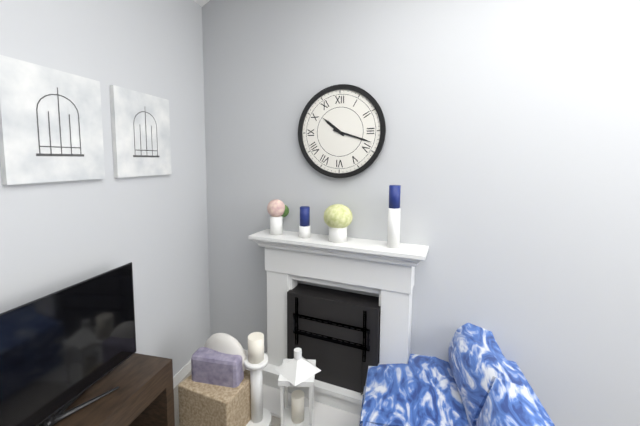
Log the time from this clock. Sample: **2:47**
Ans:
**10:18**
